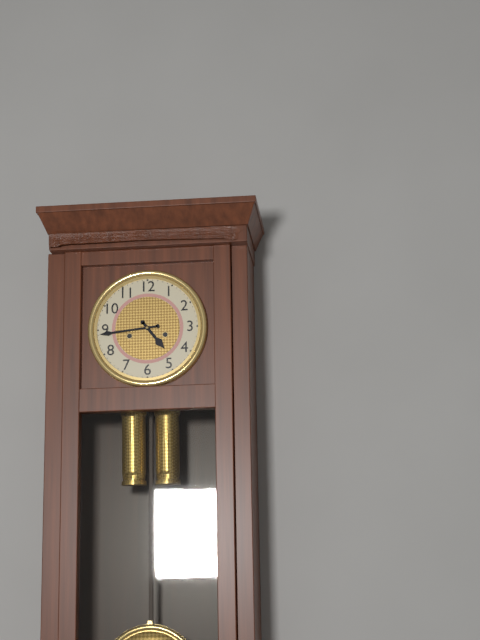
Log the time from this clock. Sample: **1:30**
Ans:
**4:44**
